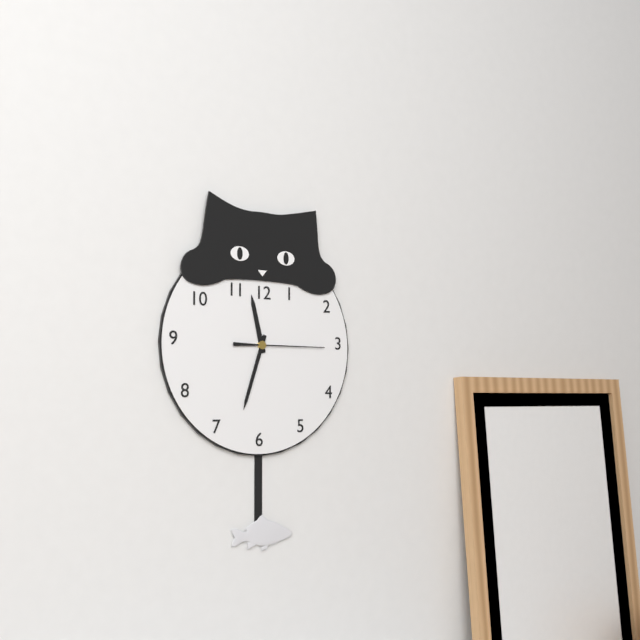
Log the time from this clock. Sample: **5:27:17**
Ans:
**11:33:15**
